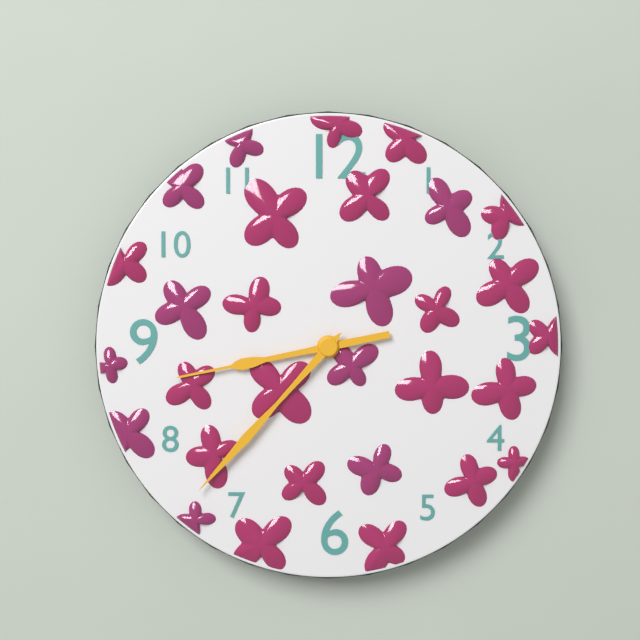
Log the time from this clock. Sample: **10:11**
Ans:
**8:37**
